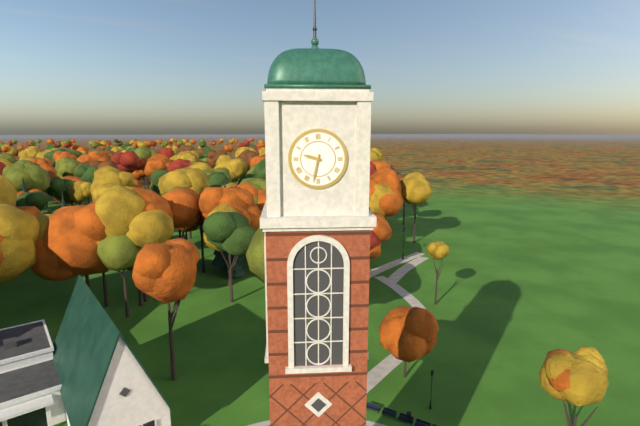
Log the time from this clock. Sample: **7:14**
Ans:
**9:32**
